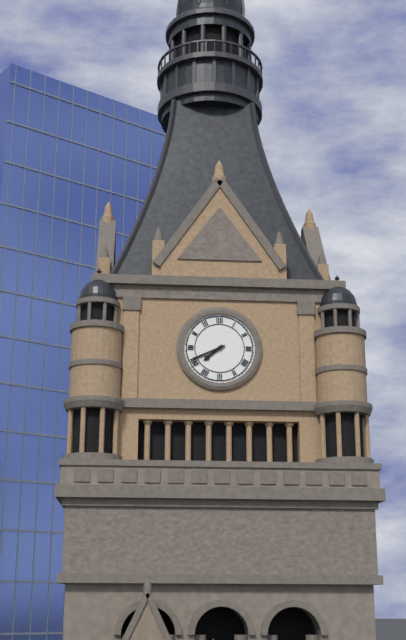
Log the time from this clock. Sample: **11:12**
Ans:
**7:41**
